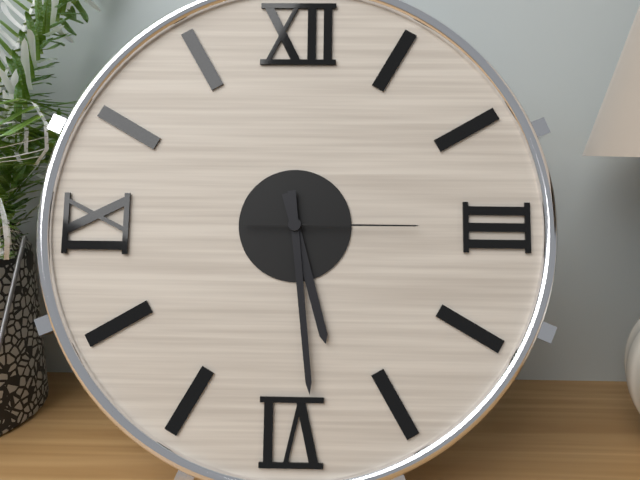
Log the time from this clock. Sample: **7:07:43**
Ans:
**5:29:15**
